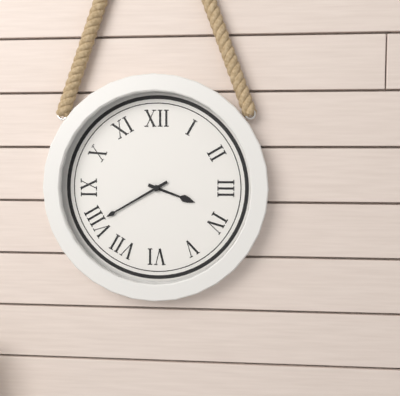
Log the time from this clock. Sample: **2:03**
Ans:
**3:40**
